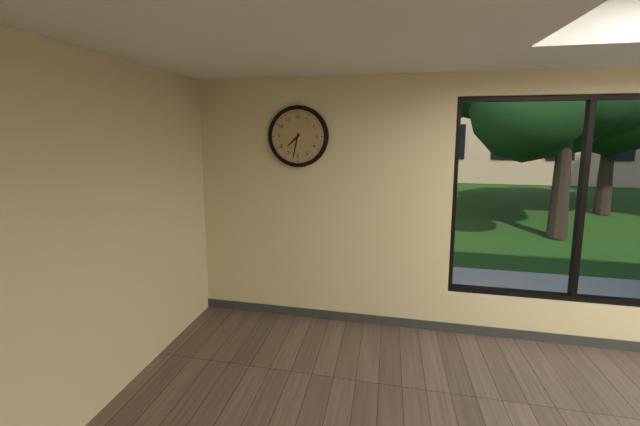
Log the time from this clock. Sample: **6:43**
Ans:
**7:32**
